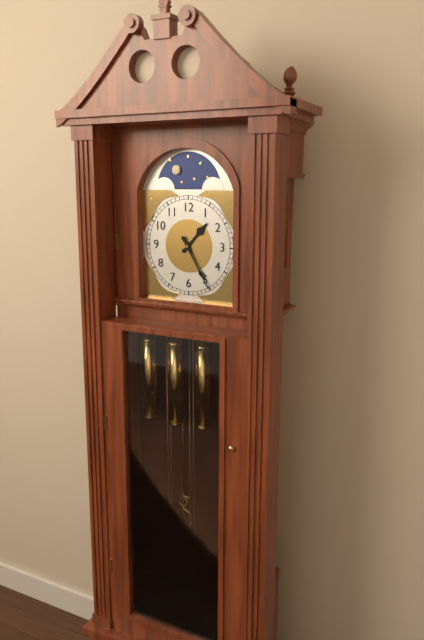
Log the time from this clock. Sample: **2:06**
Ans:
**1:25**
